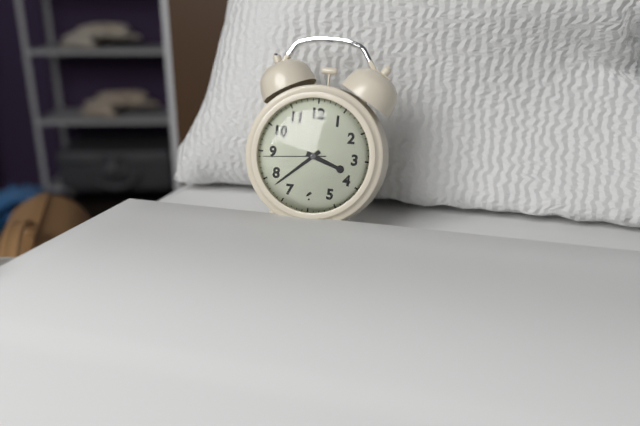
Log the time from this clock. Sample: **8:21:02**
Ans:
**3:38:44**
